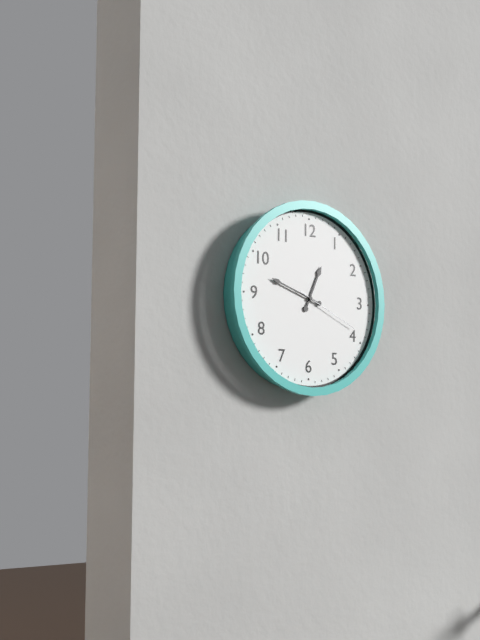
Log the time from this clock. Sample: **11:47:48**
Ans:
**12:48:19**
